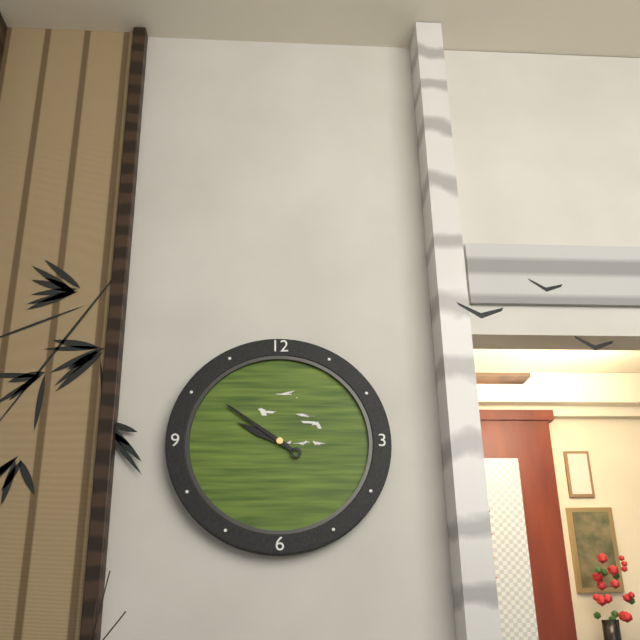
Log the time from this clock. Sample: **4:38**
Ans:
**9:51**
